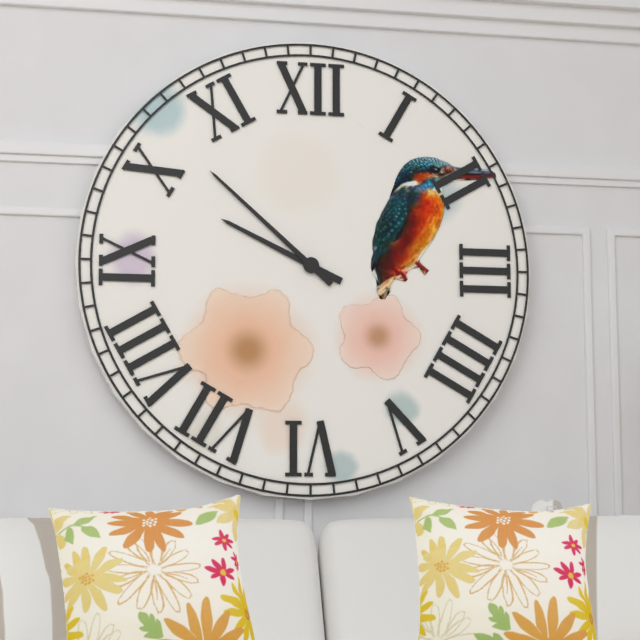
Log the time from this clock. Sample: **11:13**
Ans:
**9:52**
